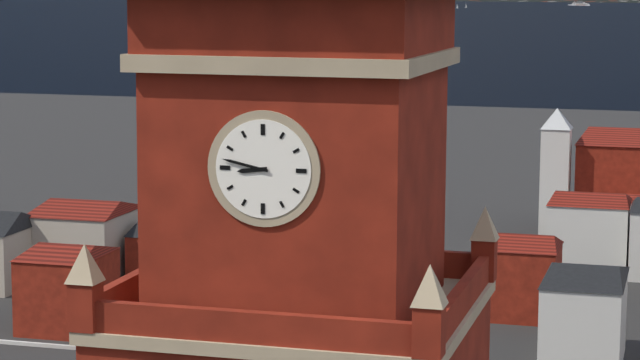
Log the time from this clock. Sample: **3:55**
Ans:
**8:47**
